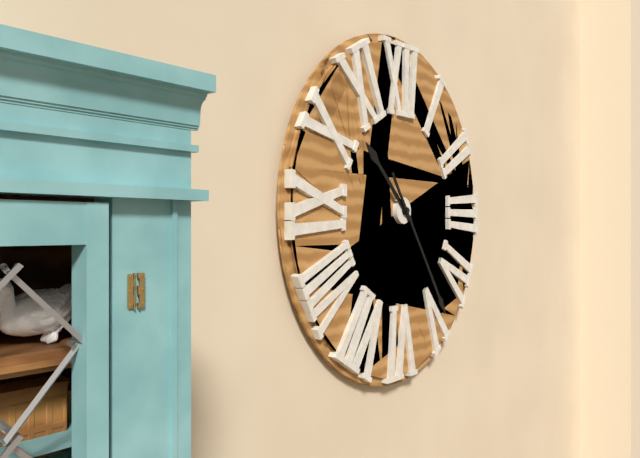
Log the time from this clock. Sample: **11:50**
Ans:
**10:24**
